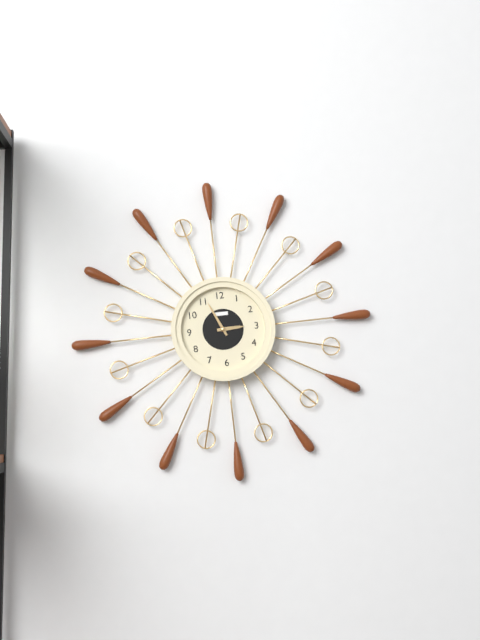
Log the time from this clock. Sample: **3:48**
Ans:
**2:56**
